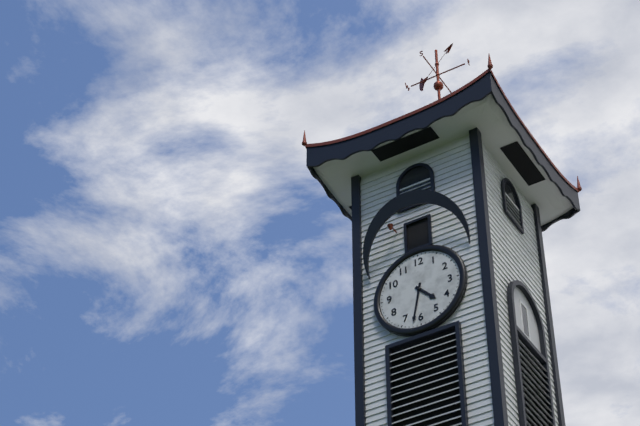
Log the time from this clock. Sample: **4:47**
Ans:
**4:32**
